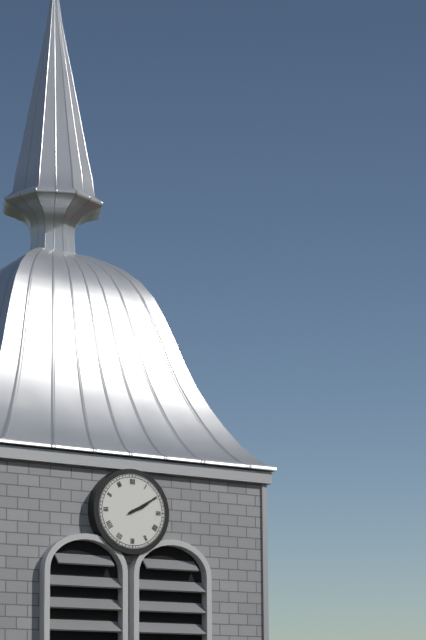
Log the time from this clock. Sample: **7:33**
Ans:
**2:10**
